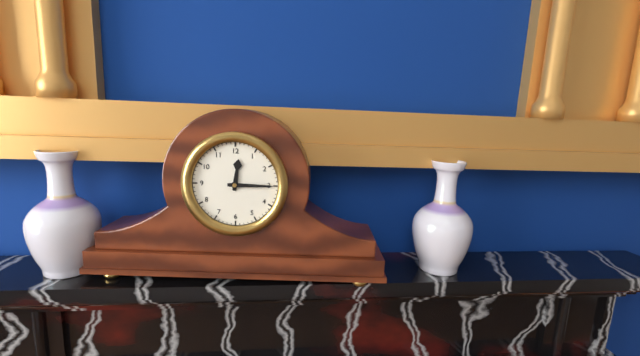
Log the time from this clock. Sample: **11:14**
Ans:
**12:15**
